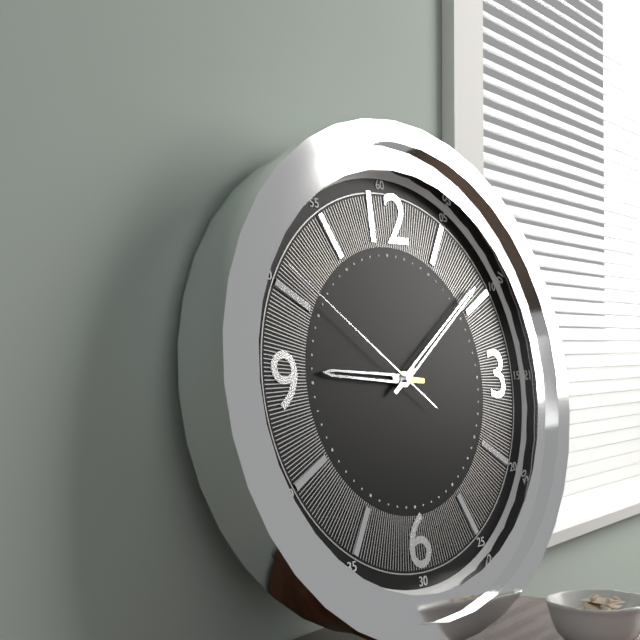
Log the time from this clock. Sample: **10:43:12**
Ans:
**9:09:51**
